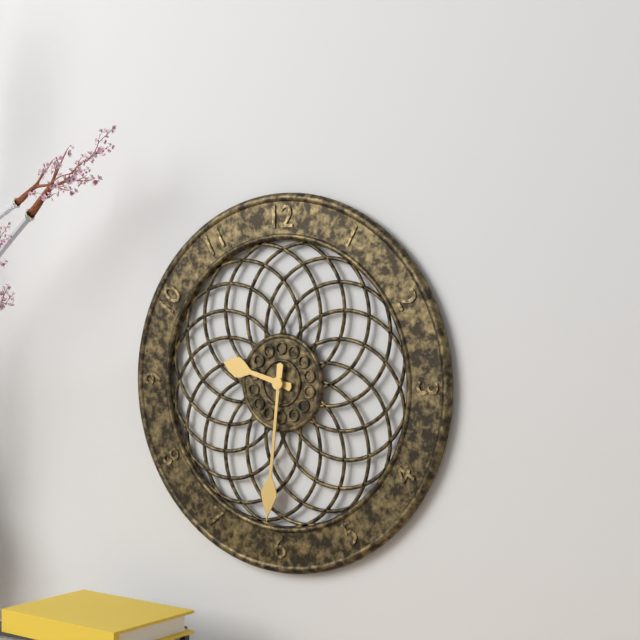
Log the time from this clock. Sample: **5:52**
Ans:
**9:31**
